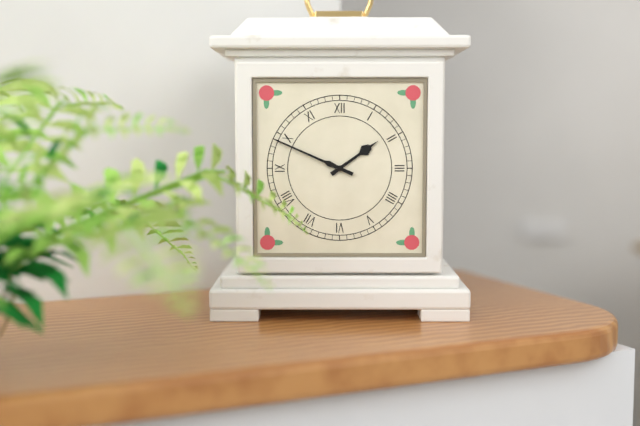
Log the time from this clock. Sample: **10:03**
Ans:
**1:49**
